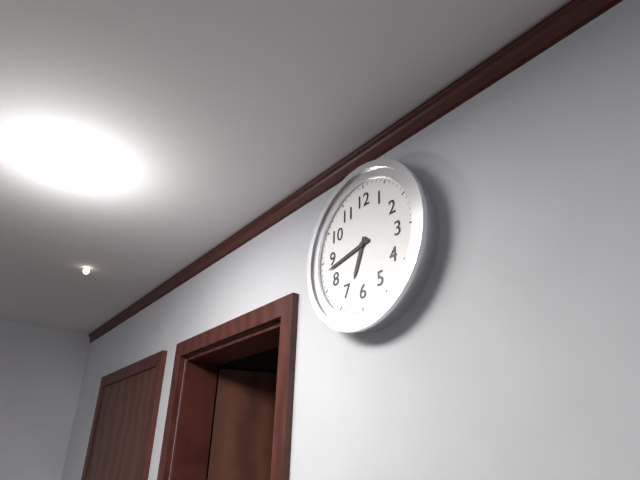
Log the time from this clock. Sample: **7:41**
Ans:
**6:43**
